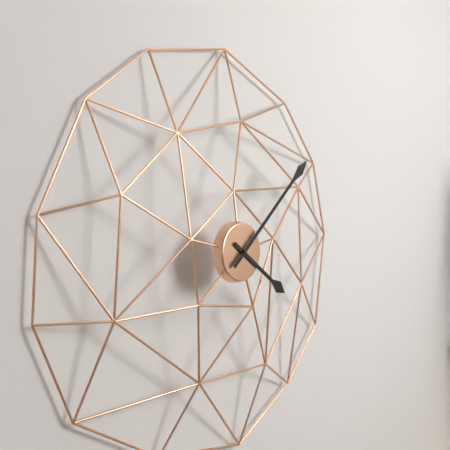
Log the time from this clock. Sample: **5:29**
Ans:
**4:08**
